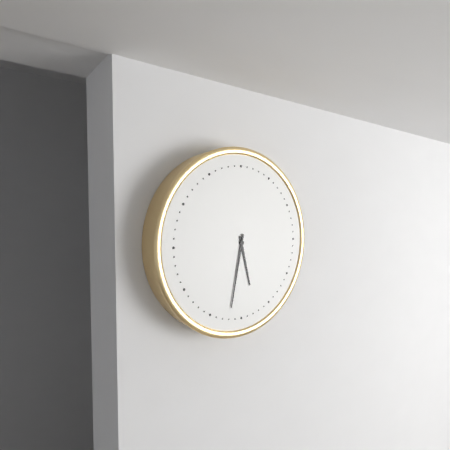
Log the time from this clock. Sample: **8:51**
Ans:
**5:32**
